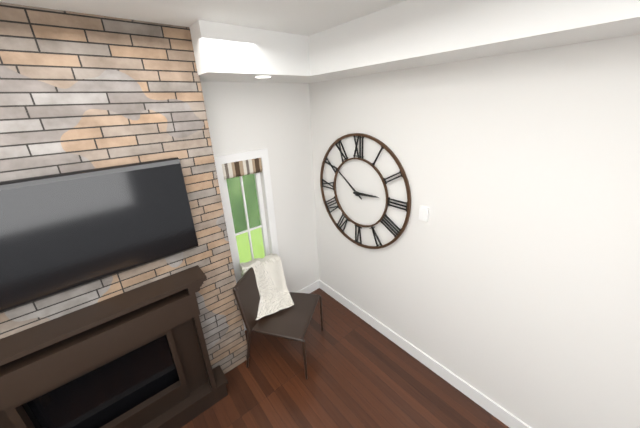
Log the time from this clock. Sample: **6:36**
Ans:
**2:51**
